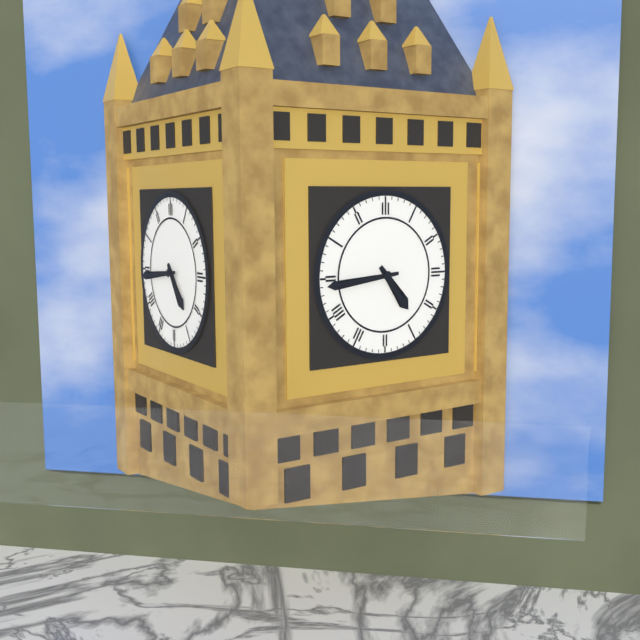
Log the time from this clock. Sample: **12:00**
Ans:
**4:44**
